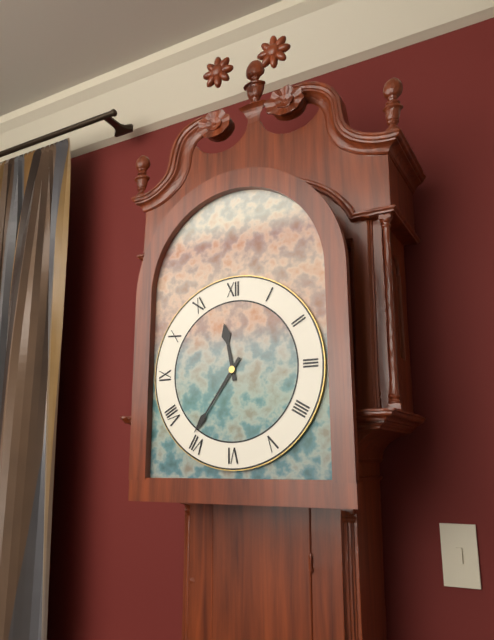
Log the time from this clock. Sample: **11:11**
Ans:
**11:36**
